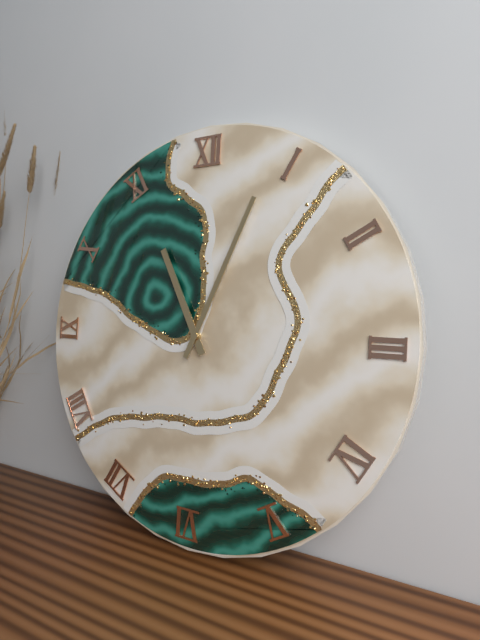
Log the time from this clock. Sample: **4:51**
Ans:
**11:04**
